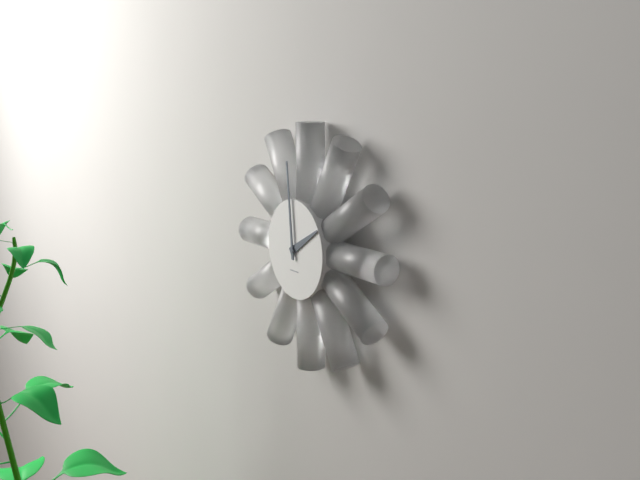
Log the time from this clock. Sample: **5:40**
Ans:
**1:59**
